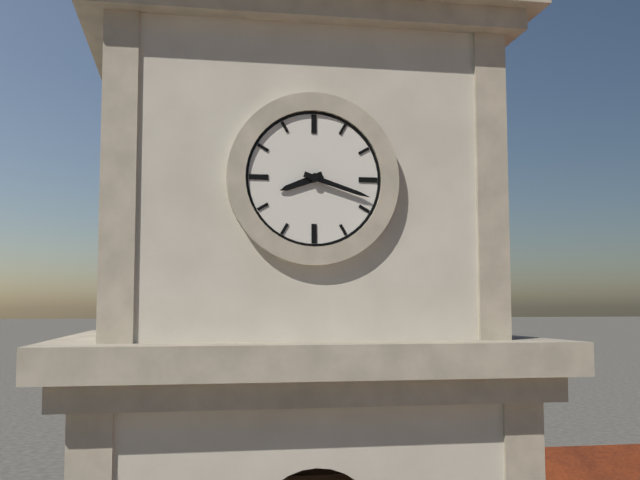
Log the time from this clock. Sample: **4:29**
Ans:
**8:18**
